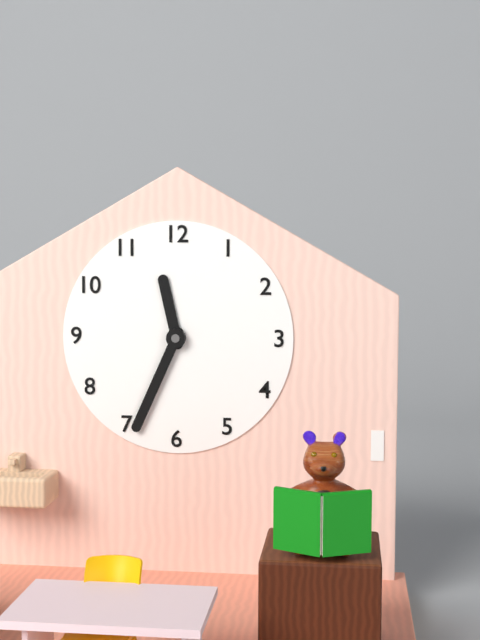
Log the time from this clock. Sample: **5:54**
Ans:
**11:34**
